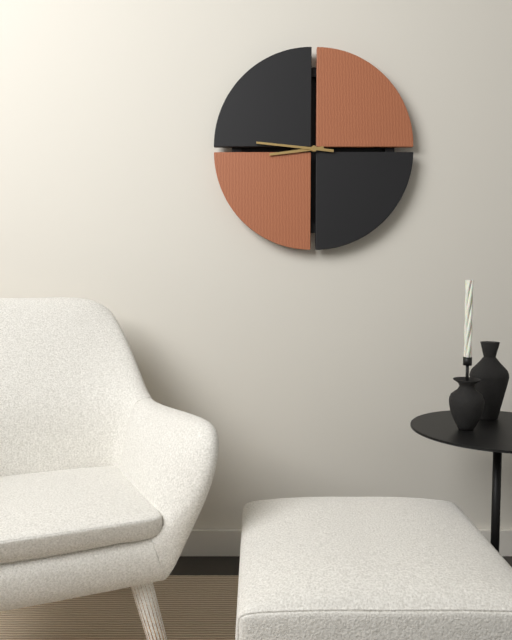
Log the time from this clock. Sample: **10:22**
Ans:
**8:46**
